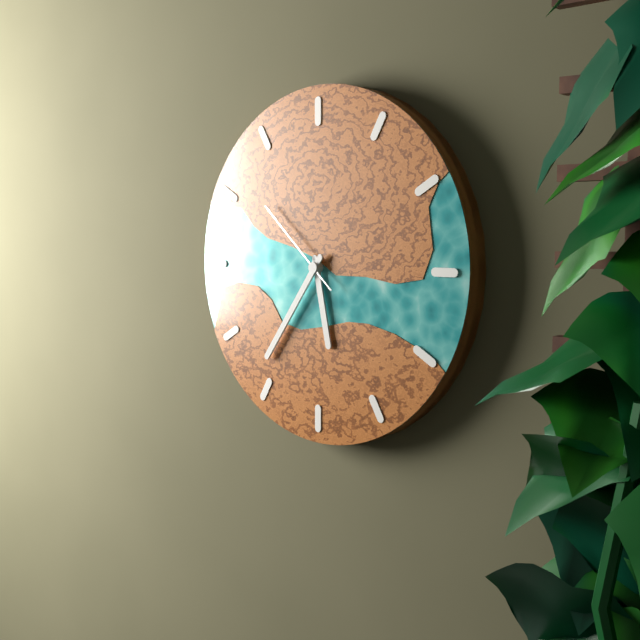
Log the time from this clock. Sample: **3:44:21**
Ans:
**5:36:52**
